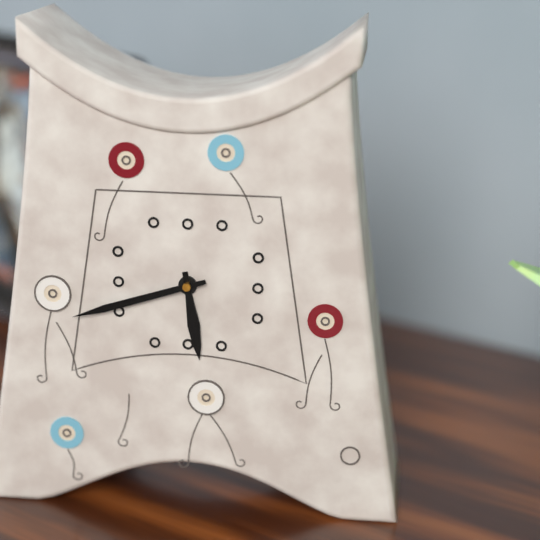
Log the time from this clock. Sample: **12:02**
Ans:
**5:42**
